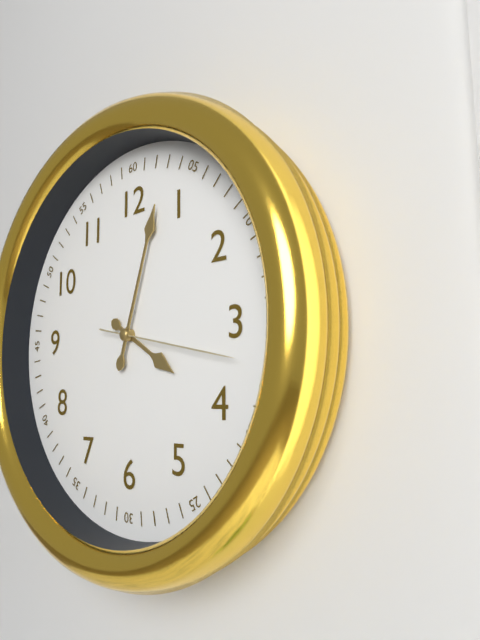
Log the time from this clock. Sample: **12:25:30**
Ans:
**4:03:17**
